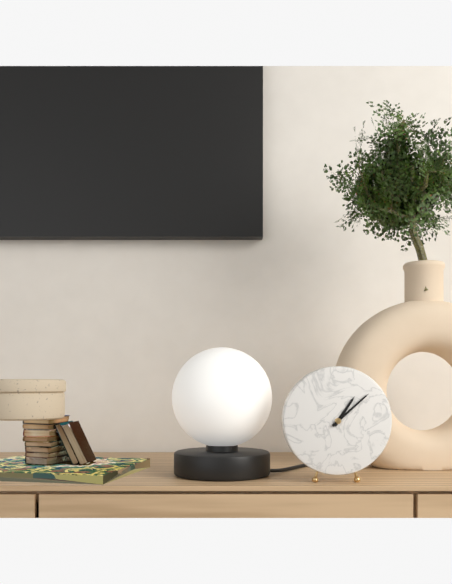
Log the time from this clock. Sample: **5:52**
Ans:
**1:08**
